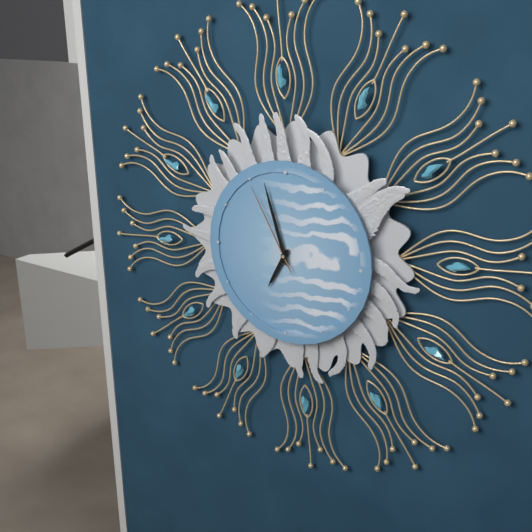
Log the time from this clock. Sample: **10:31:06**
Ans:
**6:57:55**
